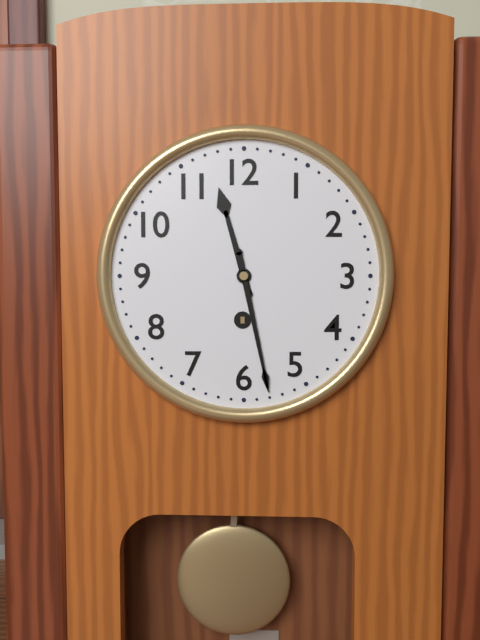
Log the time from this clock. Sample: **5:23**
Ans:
**11:28**
